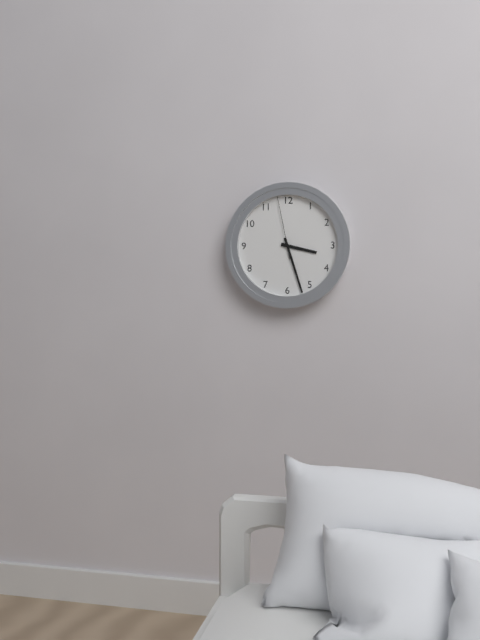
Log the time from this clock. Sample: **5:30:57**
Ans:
**3:27:58**
